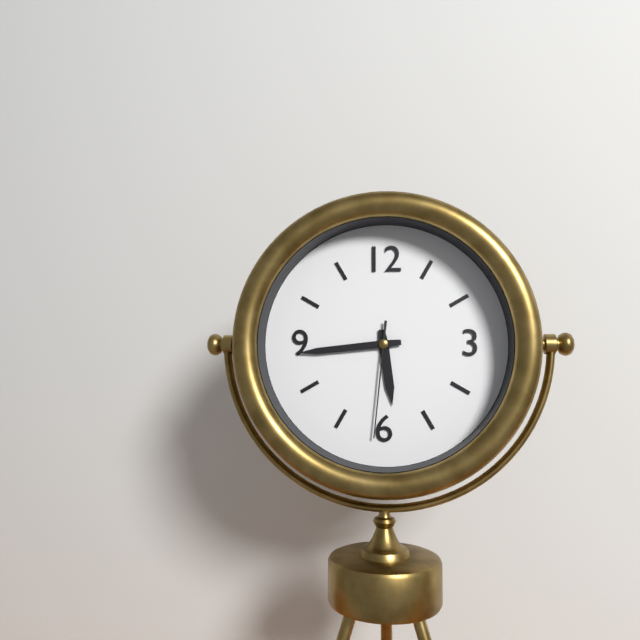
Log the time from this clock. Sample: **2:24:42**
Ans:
**5:44:31**
